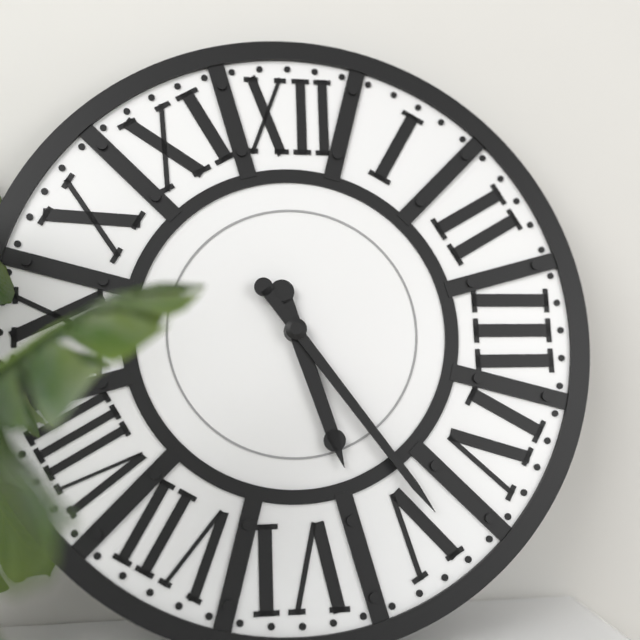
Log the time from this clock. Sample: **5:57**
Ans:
**5:24**
